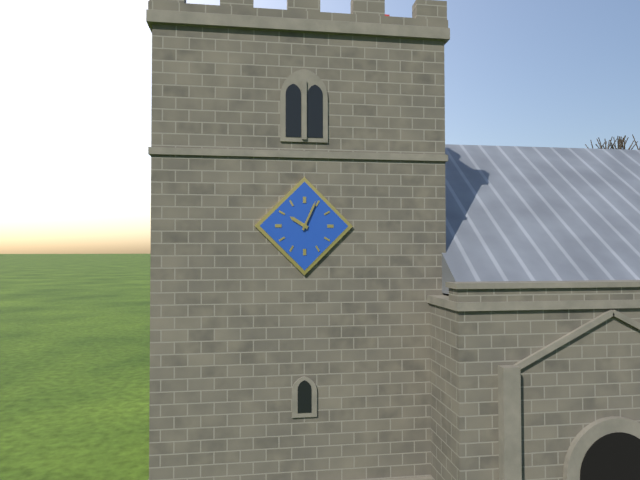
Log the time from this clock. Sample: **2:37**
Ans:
**10:04**
